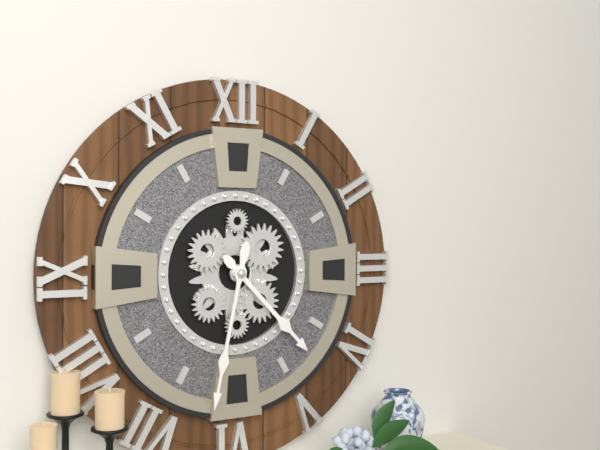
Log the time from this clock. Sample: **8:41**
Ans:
**4:32**
